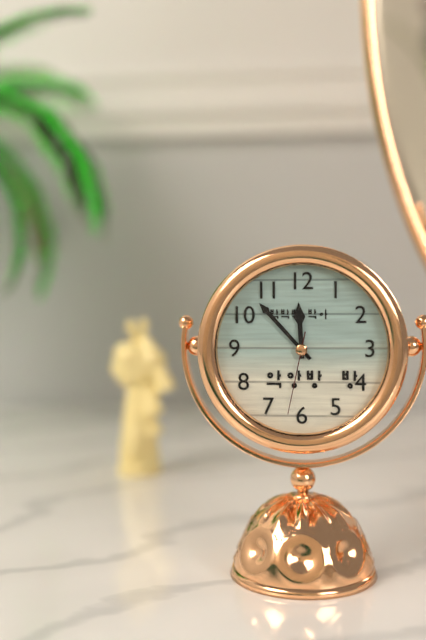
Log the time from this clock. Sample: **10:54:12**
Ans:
**11:53:32**
